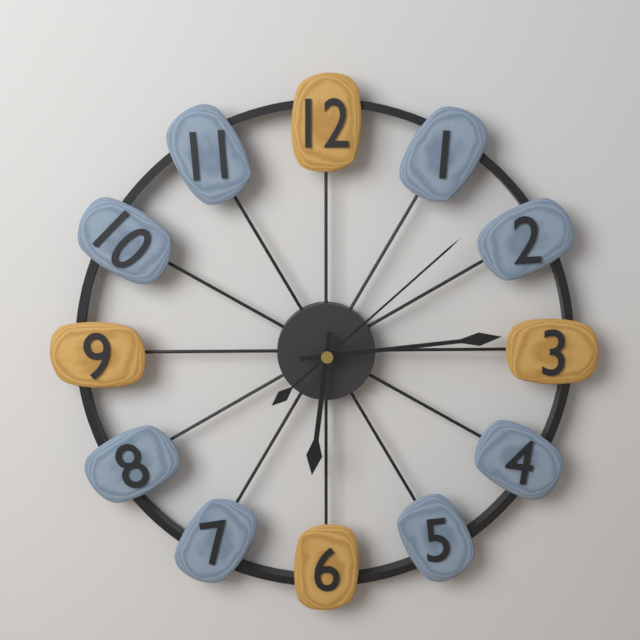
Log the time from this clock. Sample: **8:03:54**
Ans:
**6:14:08**
